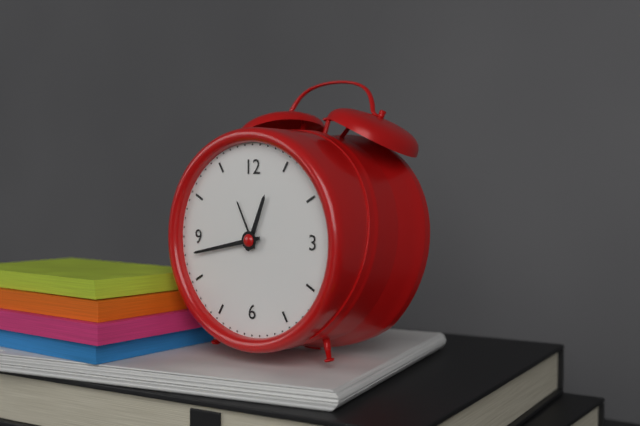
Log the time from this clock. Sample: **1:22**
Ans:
**12:43**
